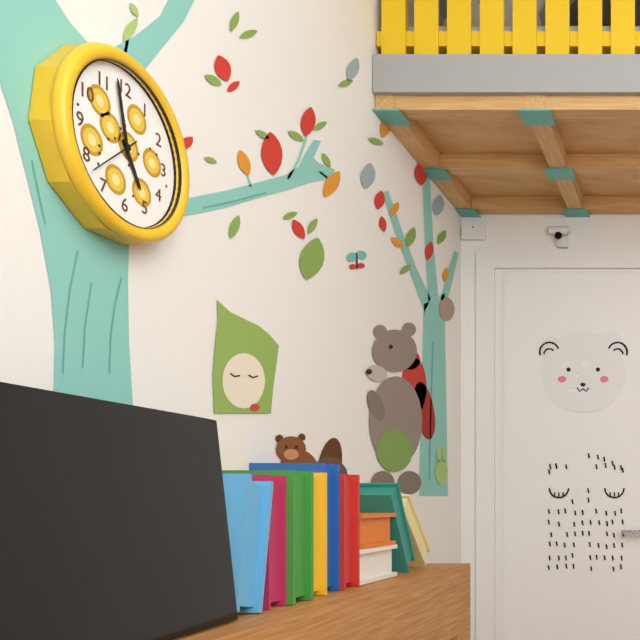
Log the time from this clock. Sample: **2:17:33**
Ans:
**4:58:38**
